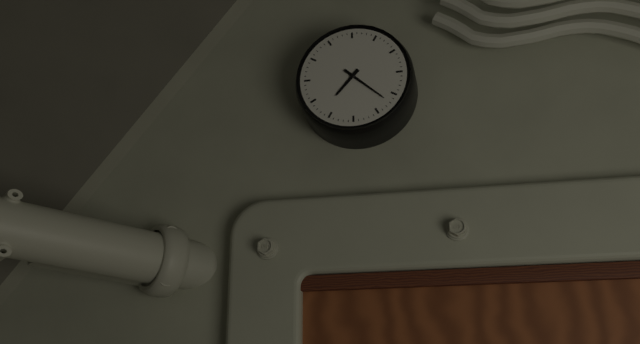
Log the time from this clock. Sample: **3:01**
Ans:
**7:22**
